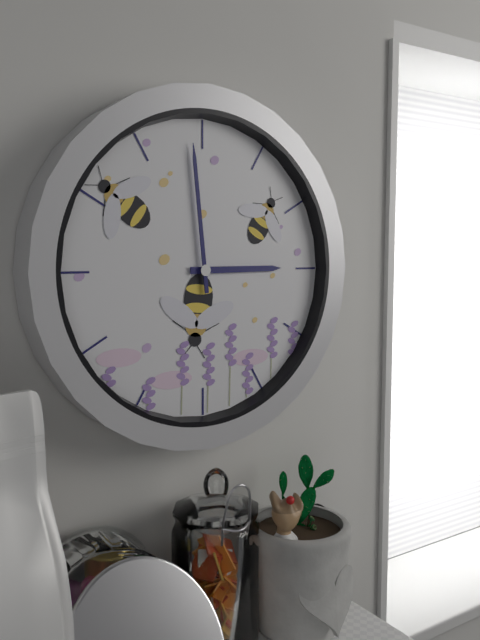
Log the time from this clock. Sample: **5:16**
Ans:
**2:59**
